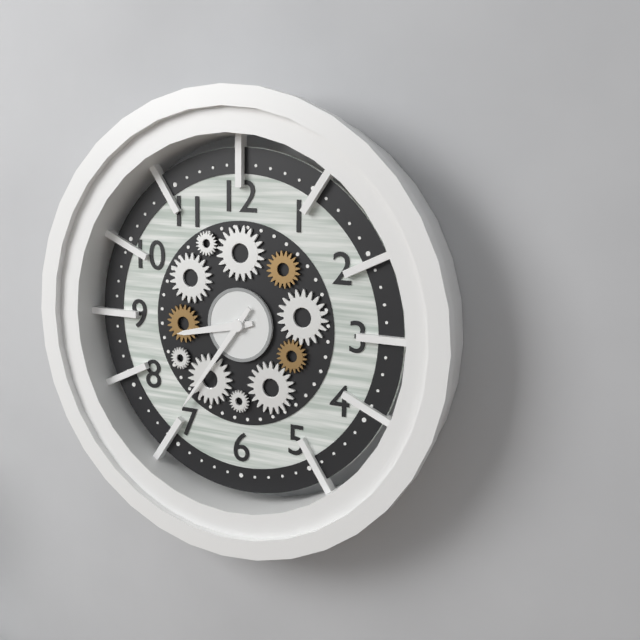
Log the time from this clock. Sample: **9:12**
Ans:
**8:36**
